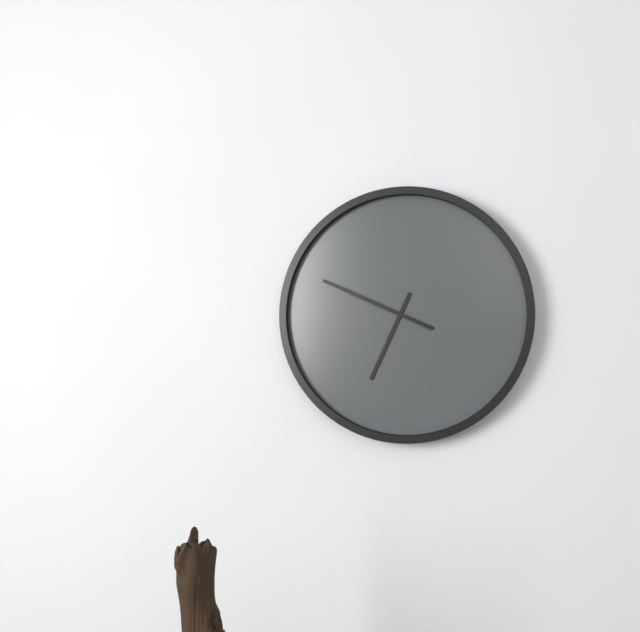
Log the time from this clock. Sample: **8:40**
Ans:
**6:49**
